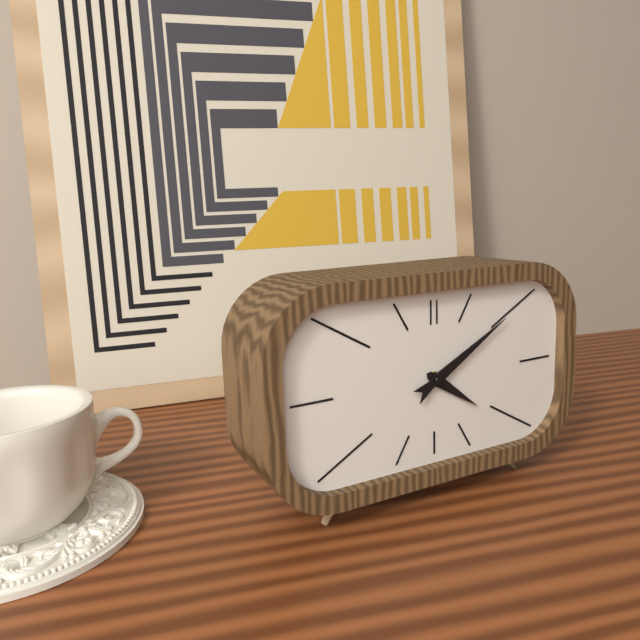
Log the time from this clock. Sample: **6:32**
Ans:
**4:10**
